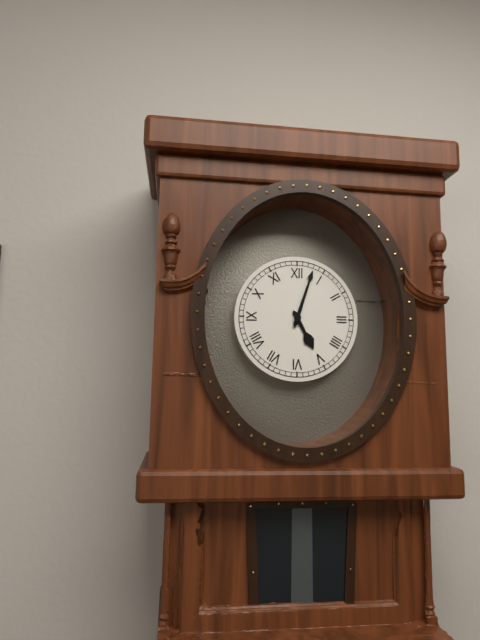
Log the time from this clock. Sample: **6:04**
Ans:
**5:03**
